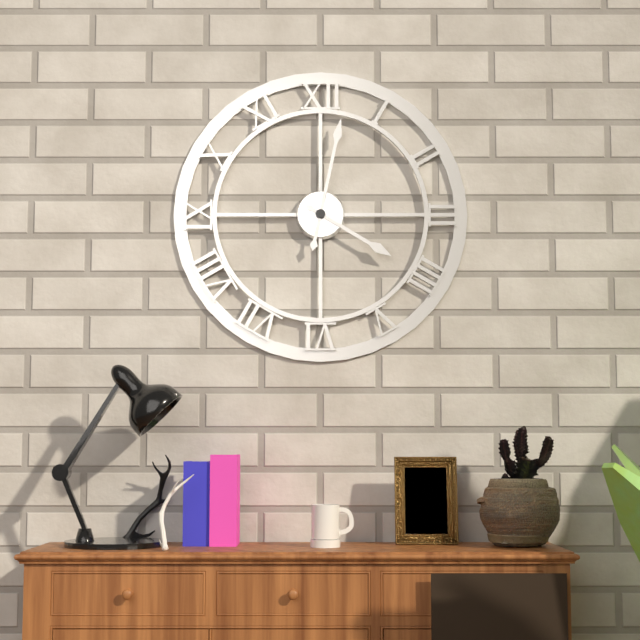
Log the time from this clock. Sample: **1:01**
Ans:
**4:02**
